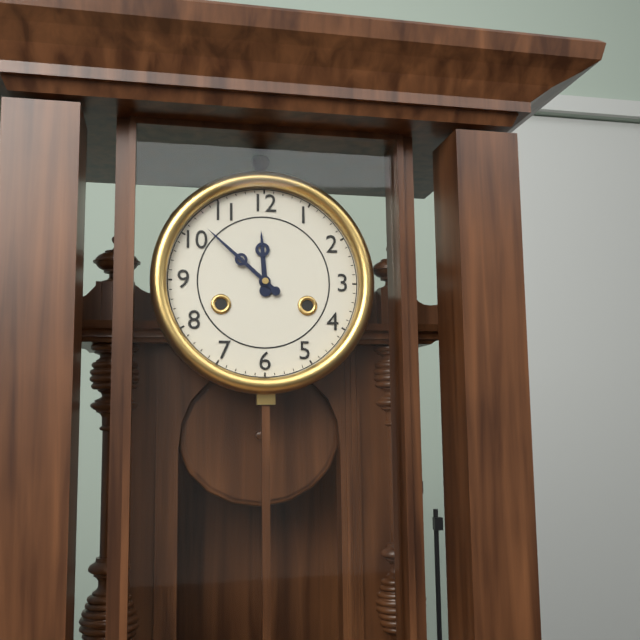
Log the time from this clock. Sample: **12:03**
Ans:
**11:52**
